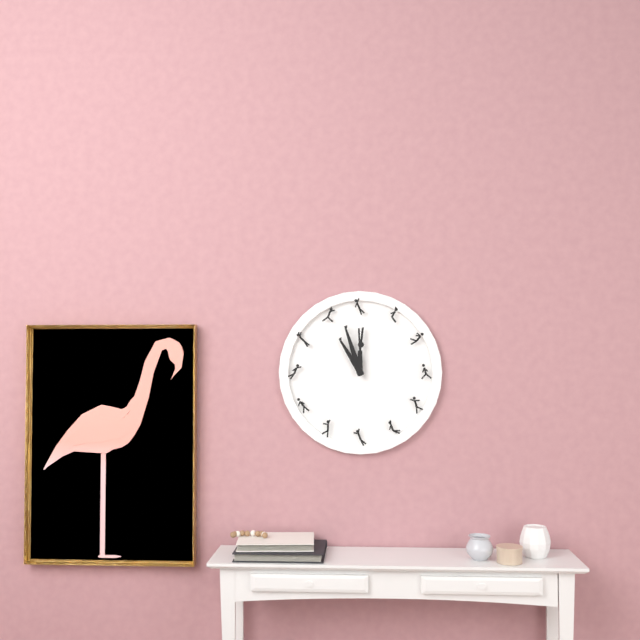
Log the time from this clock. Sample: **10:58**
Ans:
**10:57**
